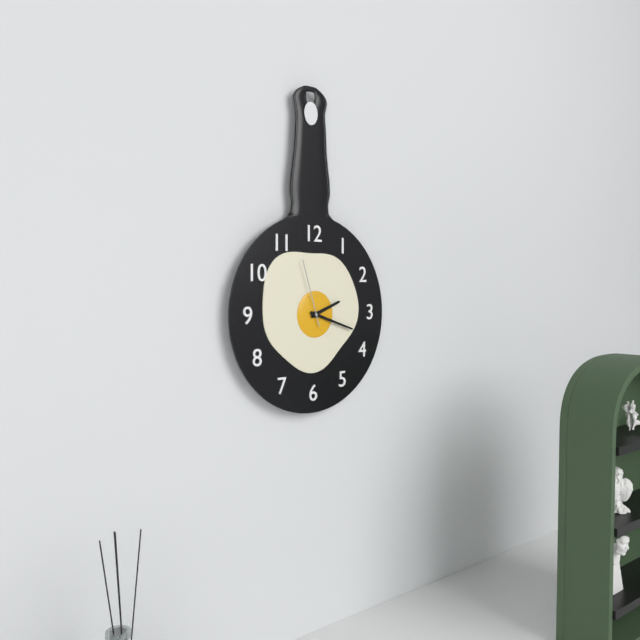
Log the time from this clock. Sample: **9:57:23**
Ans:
**2:18:57**
